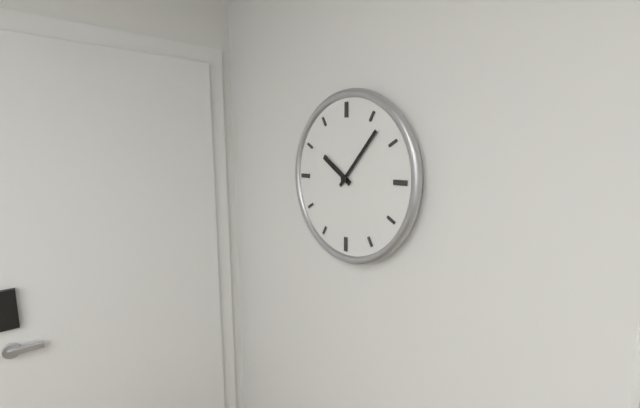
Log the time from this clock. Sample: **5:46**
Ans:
**10:07**
